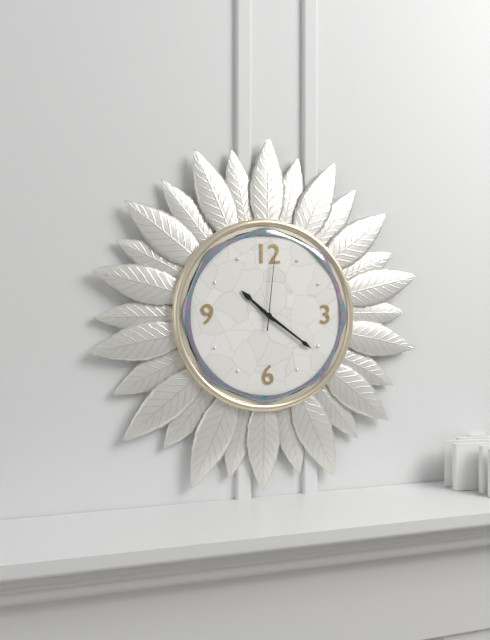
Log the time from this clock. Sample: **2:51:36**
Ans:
**10:21:01**
